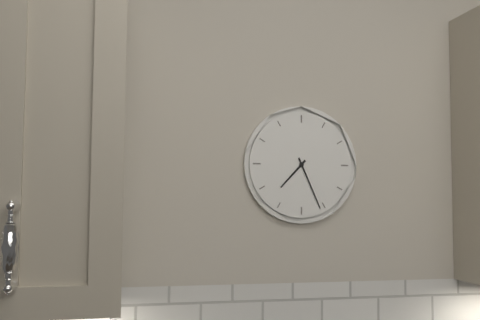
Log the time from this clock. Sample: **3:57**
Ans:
**7:26**
